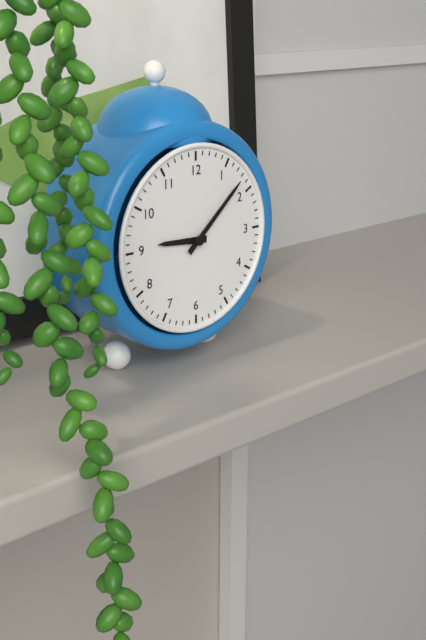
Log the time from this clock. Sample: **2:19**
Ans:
**9:08**
